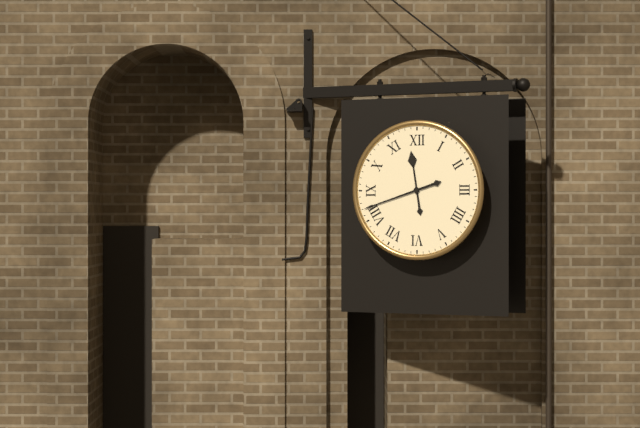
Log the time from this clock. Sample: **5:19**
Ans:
**11:42**
